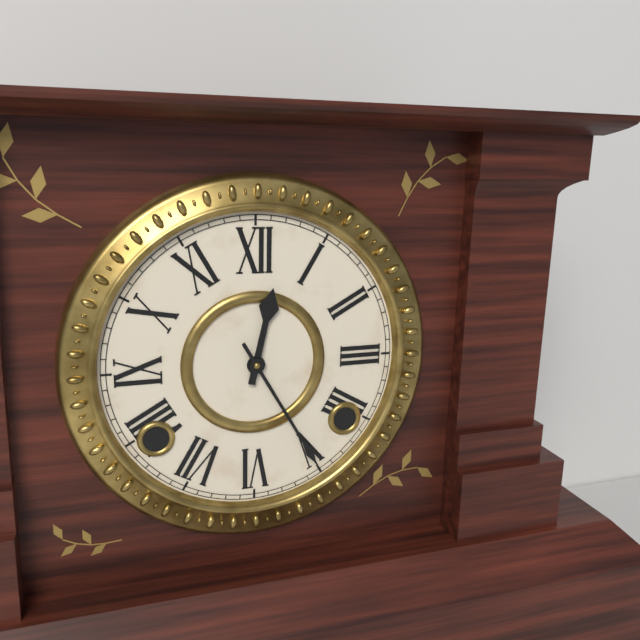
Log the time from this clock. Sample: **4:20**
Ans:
**12:25**
